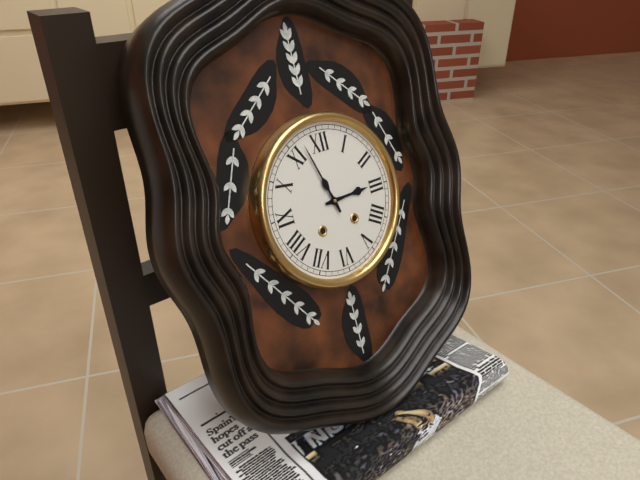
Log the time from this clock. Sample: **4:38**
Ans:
**2:57**
